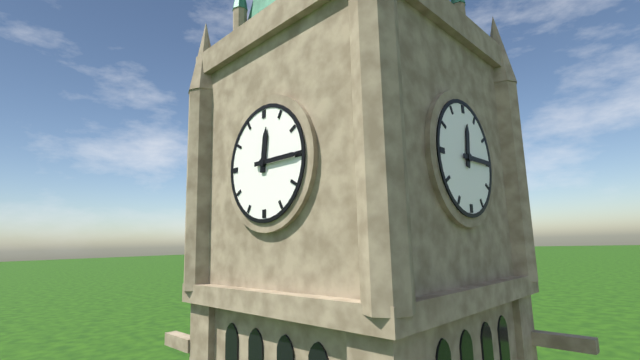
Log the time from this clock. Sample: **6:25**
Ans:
**12:15**
